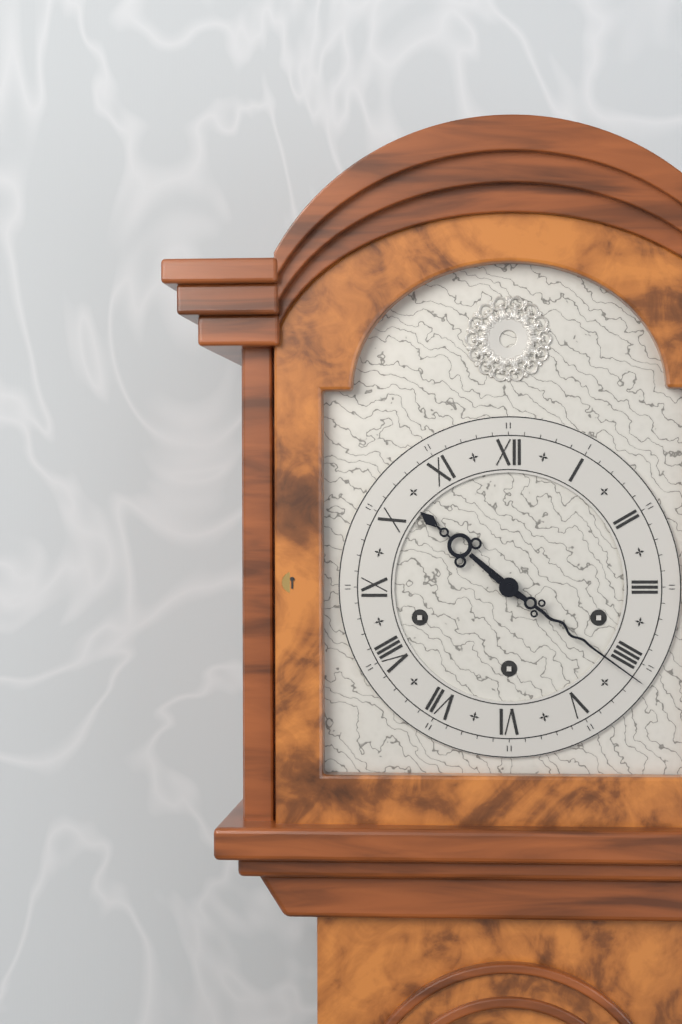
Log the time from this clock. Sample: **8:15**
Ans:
**10:21**
